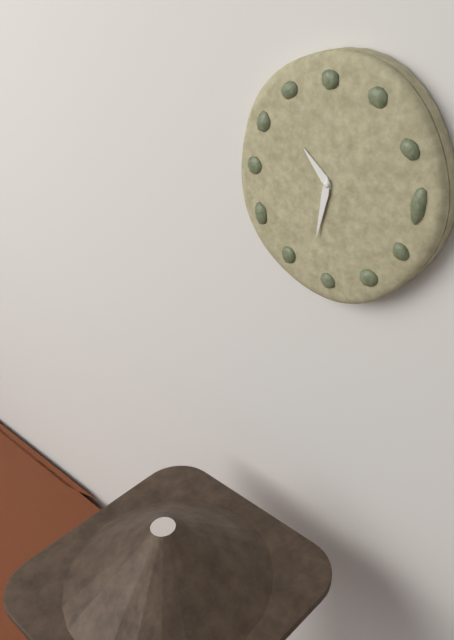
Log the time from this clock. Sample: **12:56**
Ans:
**10:32**
